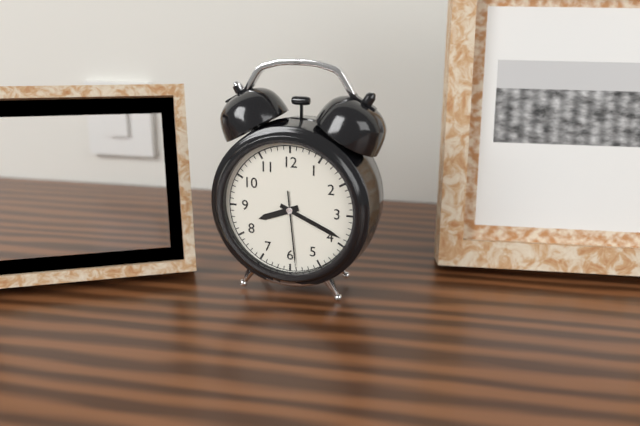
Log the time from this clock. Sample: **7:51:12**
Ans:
**8:19:29**
